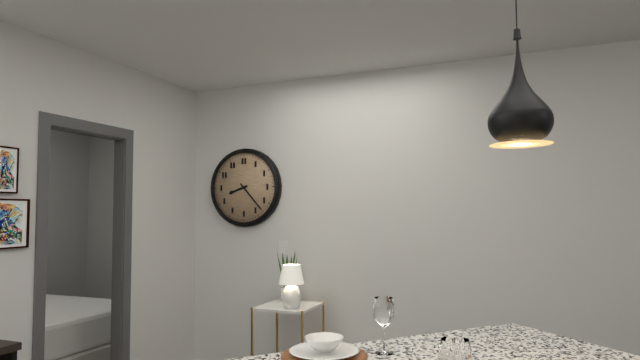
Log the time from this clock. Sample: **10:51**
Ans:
**8:23**
